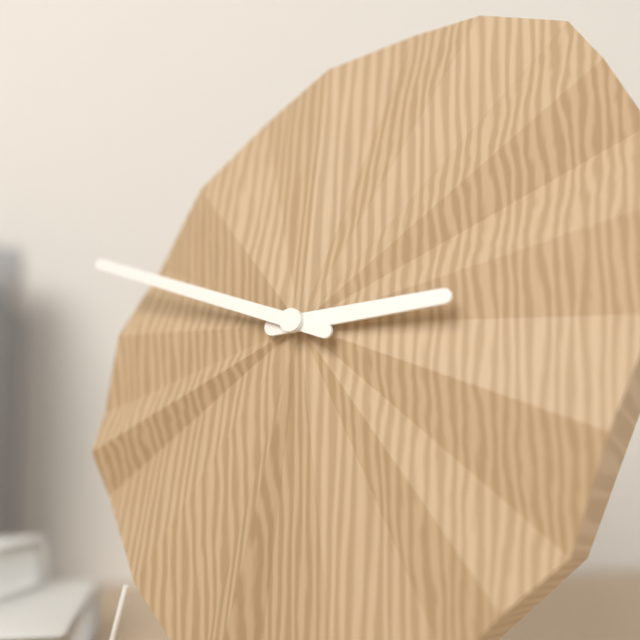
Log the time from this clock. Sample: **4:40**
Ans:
**2:48**
